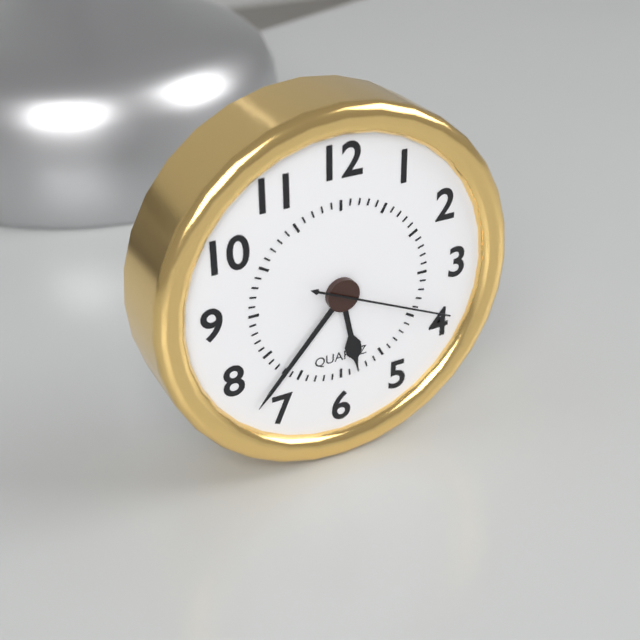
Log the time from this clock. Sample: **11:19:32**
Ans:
**5:37:19**
